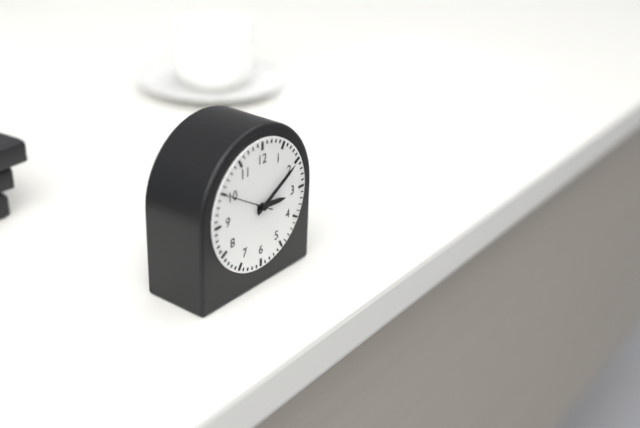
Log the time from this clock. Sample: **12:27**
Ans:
**3:10**
